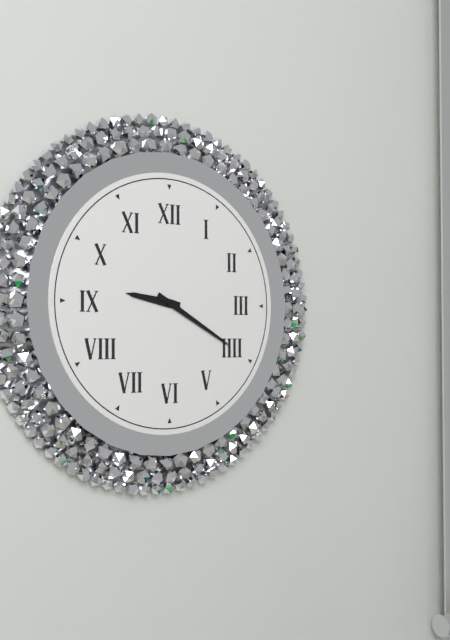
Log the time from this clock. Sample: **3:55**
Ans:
**9:20**
